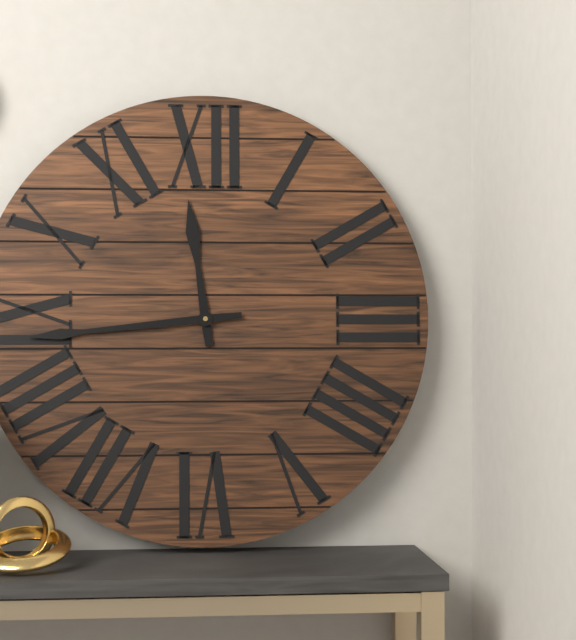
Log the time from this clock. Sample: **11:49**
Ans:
**11:44**
